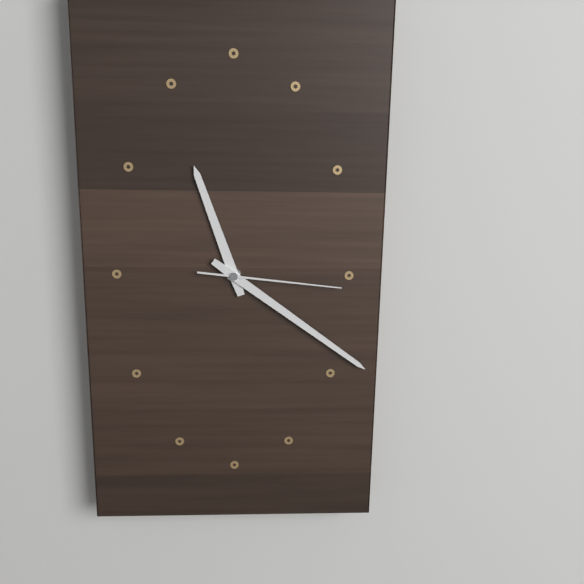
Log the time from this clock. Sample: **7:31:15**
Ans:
**11:21:16**
